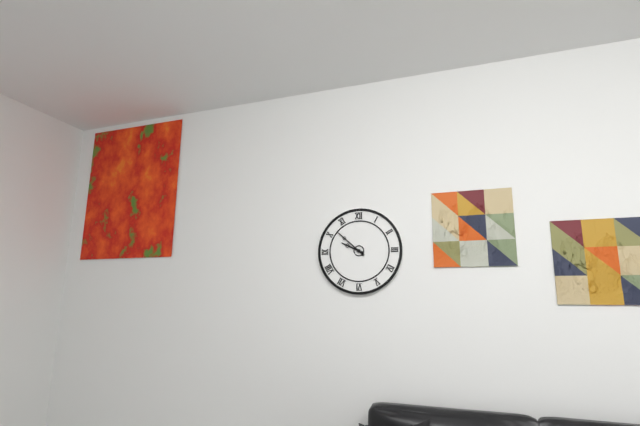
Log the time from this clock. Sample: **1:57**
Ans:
**9:52**
